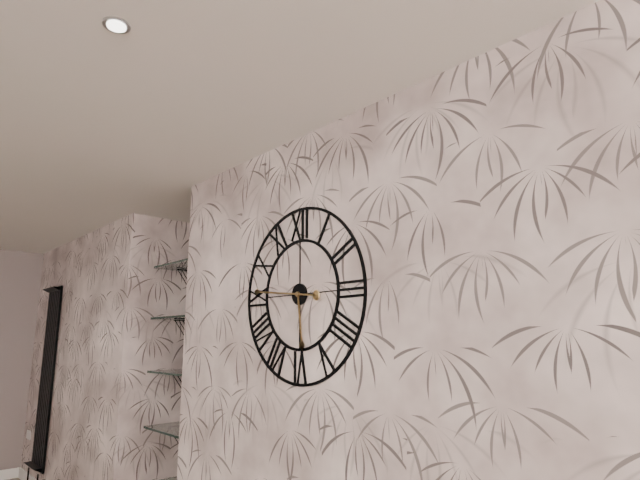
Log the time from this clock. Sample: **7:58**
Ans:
**5:46**
